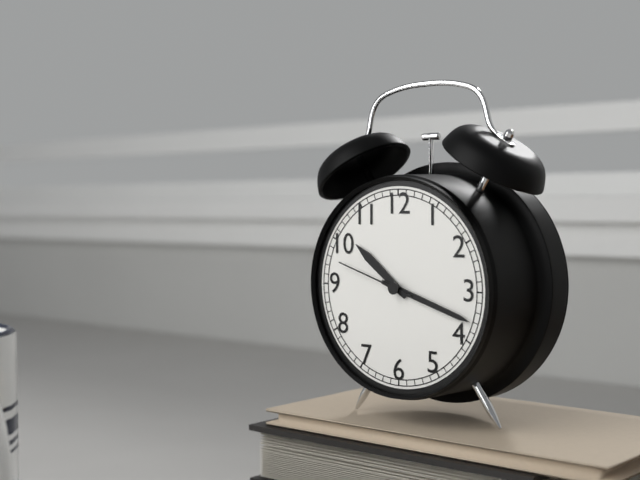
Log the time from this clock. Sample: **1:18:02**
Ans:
**10:18:48**
